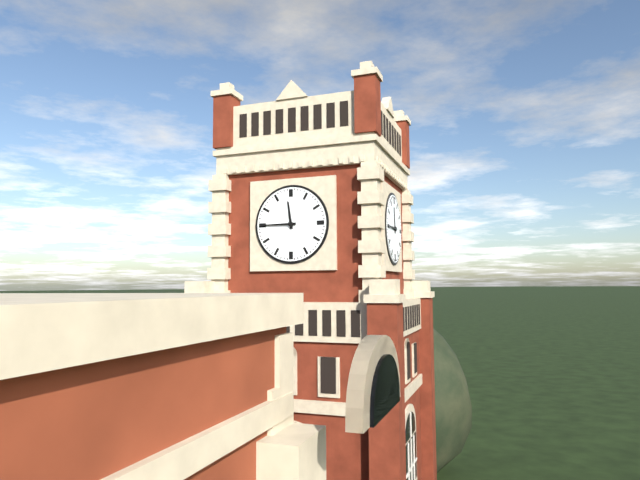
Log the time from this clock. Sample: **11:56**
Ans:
**11:45**
